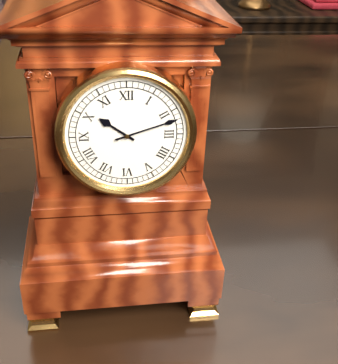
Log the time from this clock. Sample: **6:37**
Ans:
**10:12**
